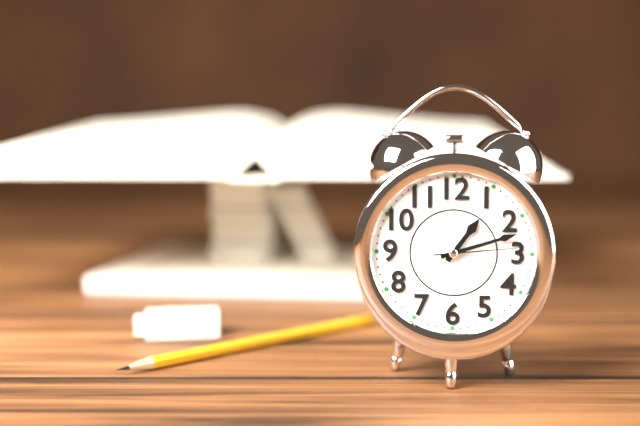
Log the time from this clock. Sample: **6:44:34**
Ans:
**1:12:14**
